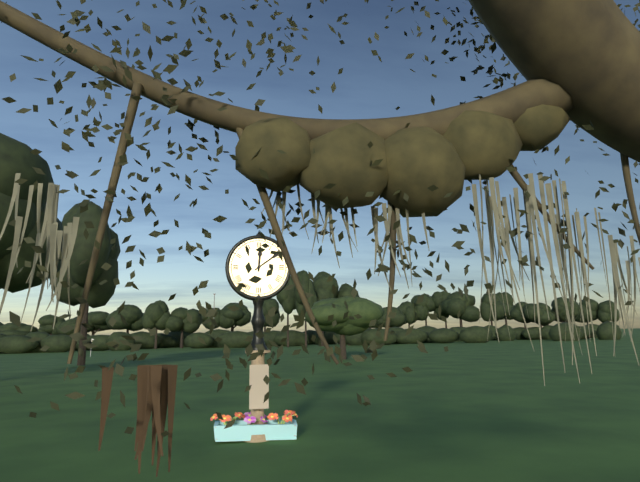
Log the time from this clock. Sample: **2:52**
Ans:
**12:09**
